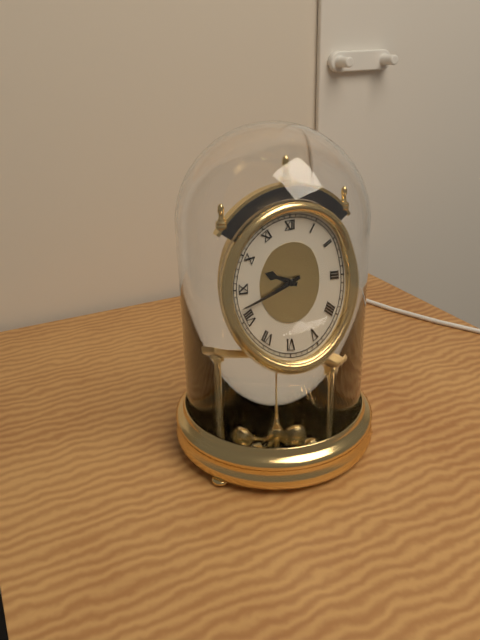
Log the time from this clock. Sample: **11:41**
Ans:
**9:42**
